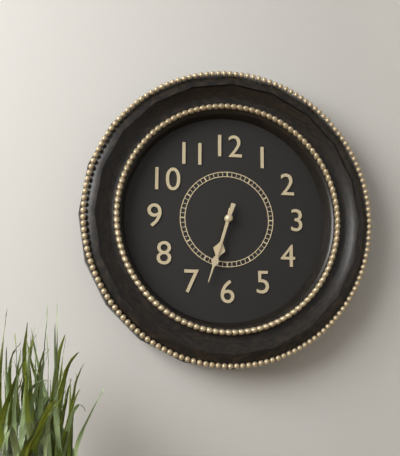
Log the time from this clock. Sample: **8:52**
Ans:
**6:33**
